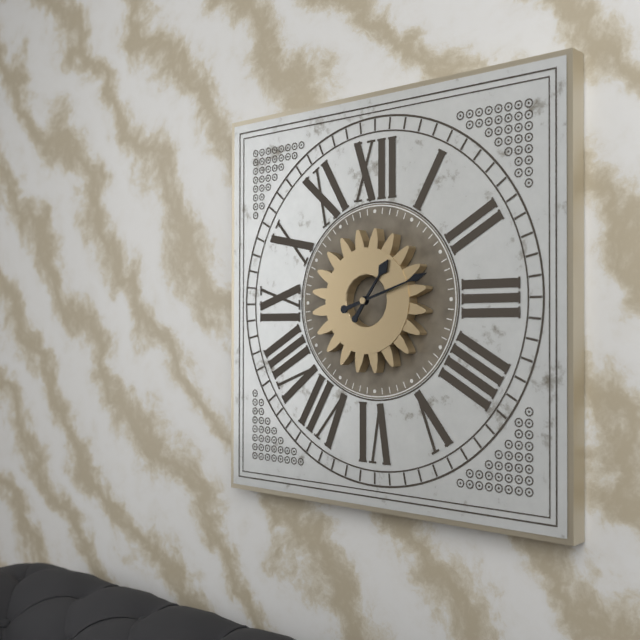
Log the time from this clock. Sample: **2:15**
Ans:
**1:12**
